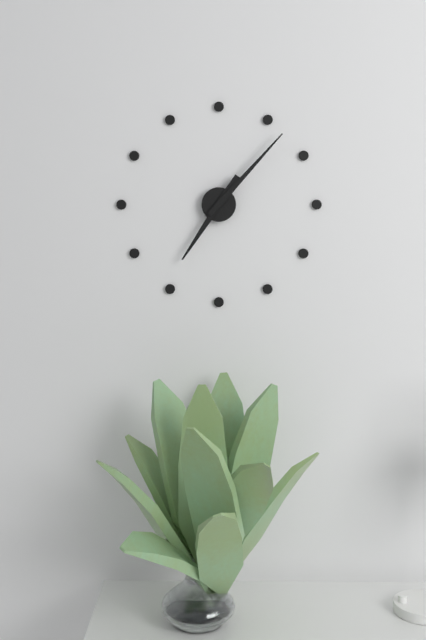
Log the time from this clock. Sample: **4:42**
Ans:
**7:07**
